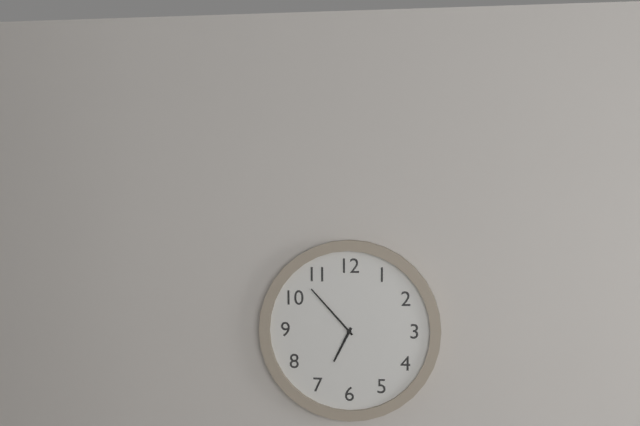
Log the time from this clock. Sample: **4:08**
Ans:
**6:53**
